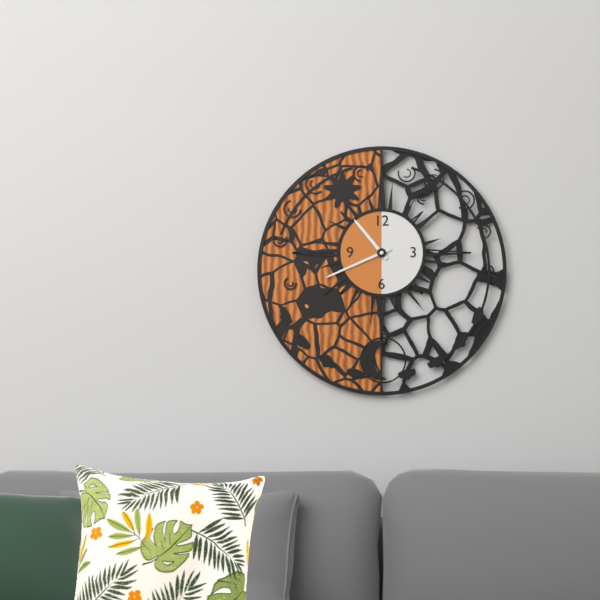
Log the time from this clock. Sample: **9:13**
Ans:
**10:41**
